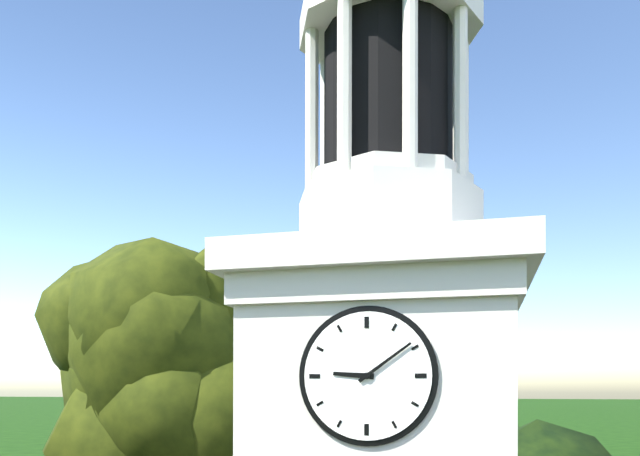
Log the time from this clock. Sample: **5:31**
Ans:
**9:09**
